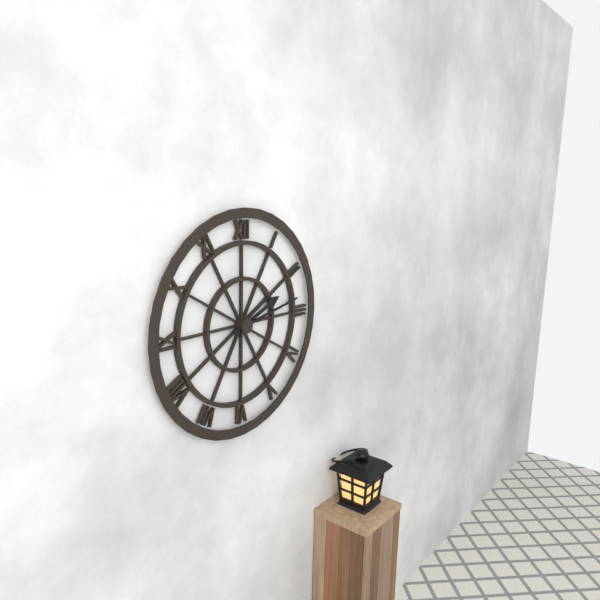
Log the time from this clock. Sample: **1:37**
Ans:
**2:13**
